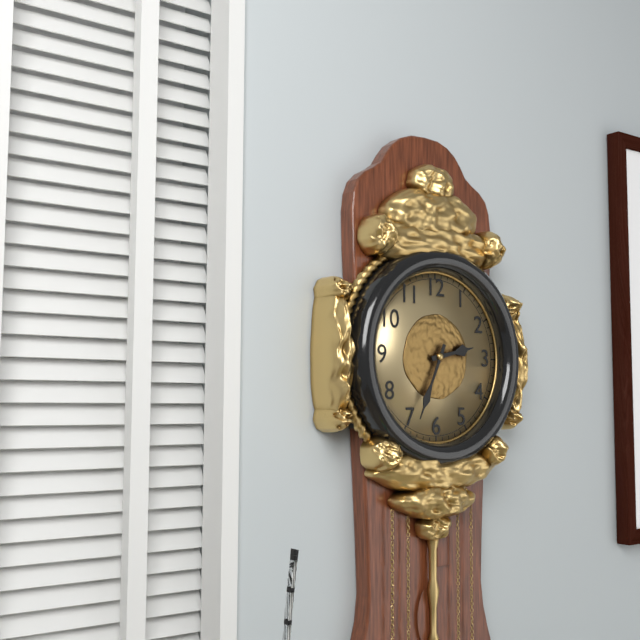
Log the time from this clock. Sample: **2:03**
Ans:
**2:34**
